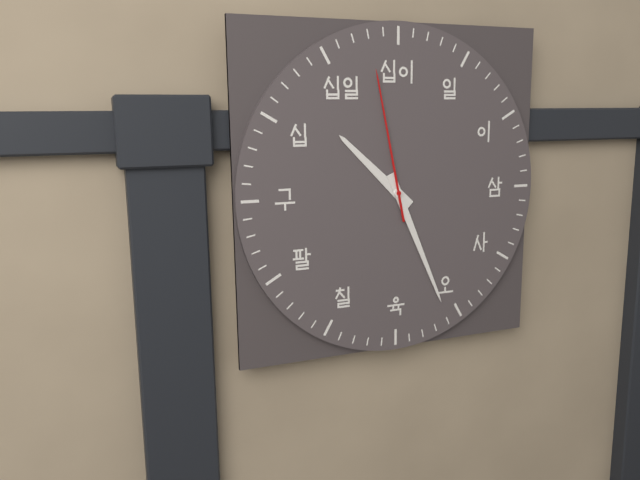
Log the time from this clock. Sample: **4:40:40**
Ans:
**10:26:58**
